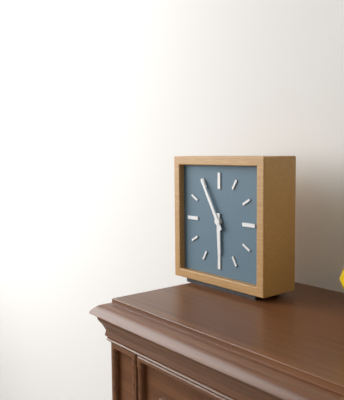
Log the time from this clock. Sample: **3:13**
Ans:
**5:55**
